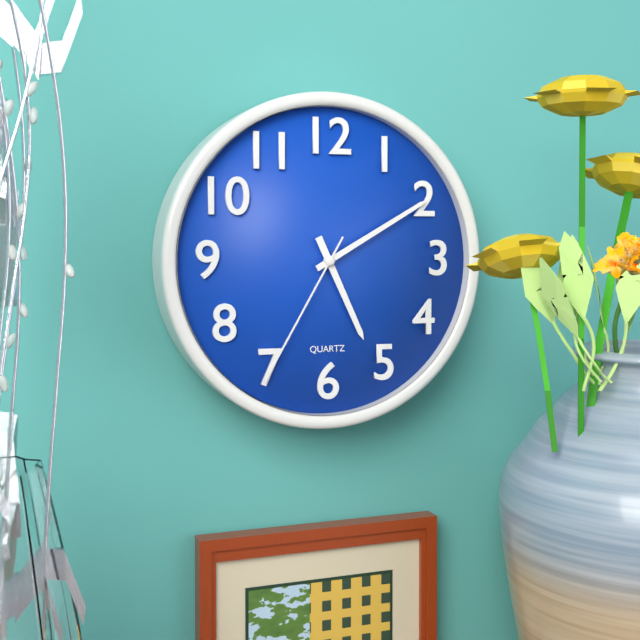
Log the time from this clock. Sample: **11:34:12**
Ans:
**5:10:35**
